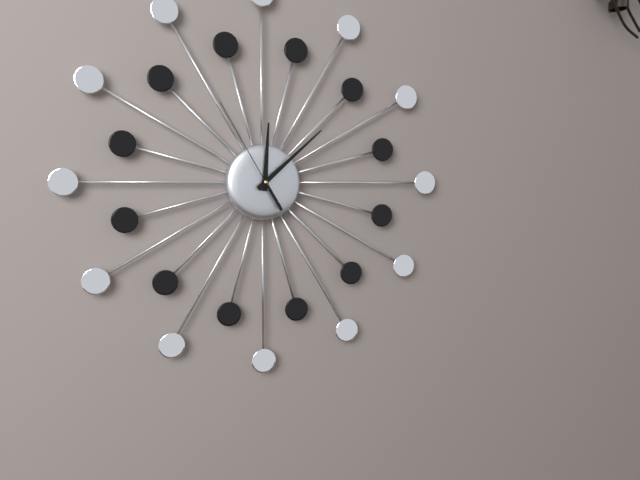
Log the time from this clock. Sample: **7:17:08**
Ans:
**12:08:55**
